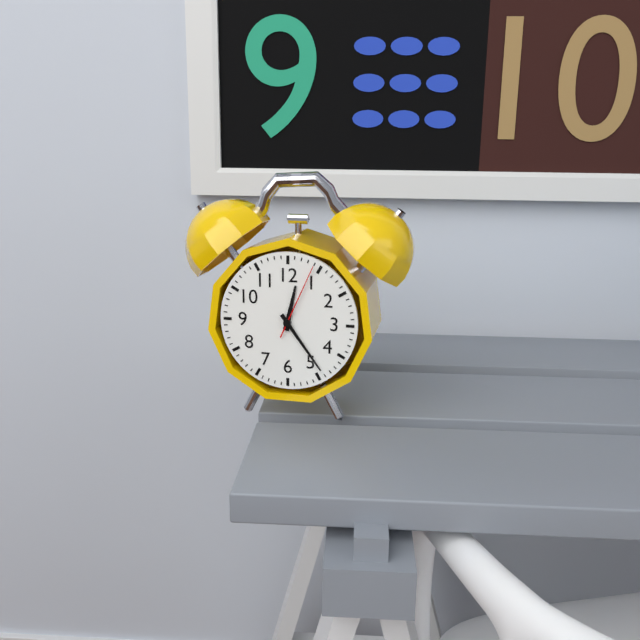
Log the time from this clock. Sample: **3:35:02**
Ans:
**12:24:04**
